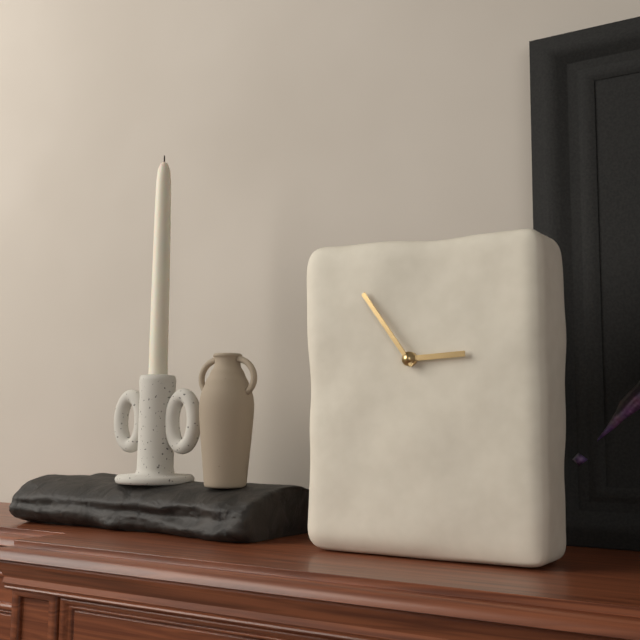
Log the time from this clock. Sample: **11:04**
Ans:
**2:54**
